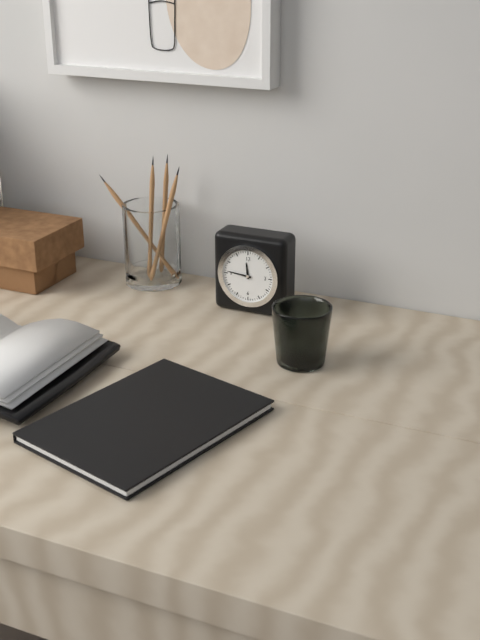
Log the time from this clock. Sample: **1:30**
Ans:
**11:46**
